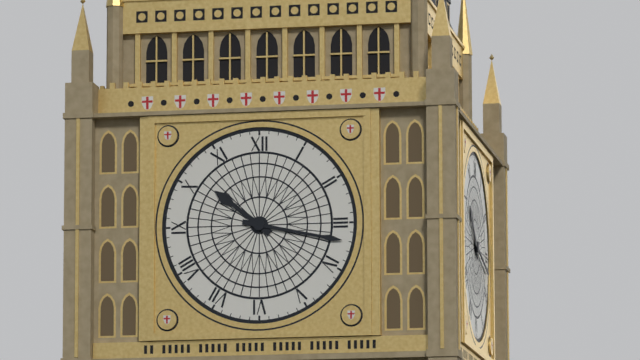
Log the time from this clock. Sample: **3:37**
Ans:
**10:17**
